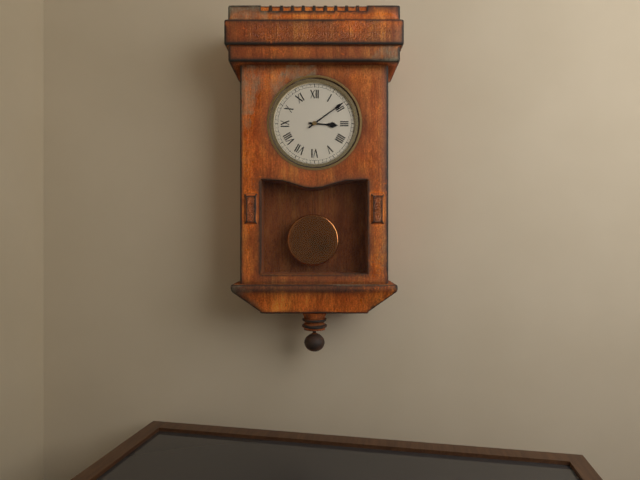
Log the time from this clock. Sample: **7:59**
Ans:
**3:09**
